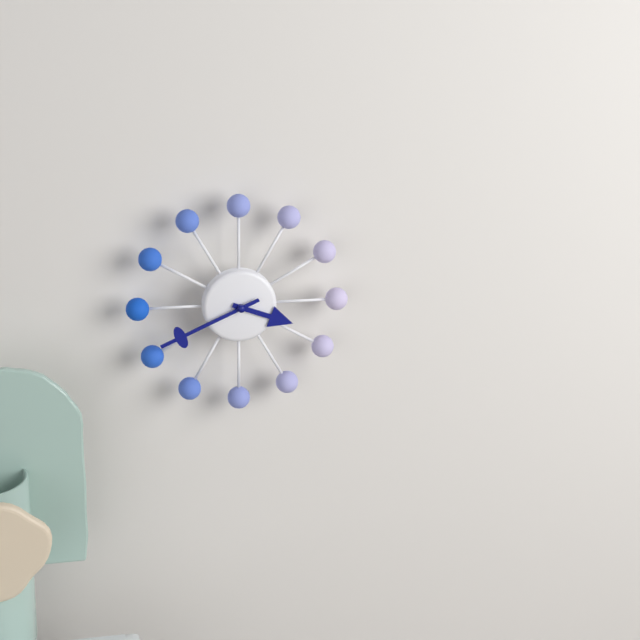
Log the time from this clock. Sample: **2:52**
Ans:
**3:41**
